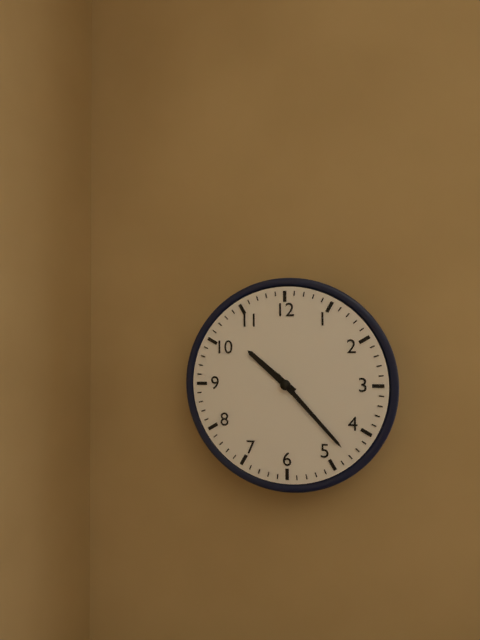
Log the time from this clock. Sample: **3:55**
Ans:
**10:23**
